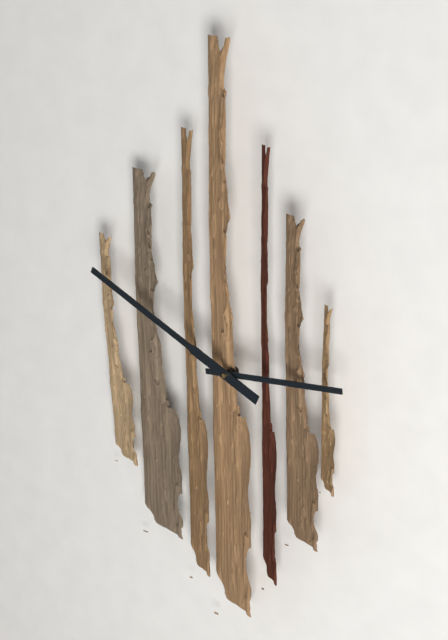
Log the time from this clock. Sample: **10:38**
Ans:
**2:49**
